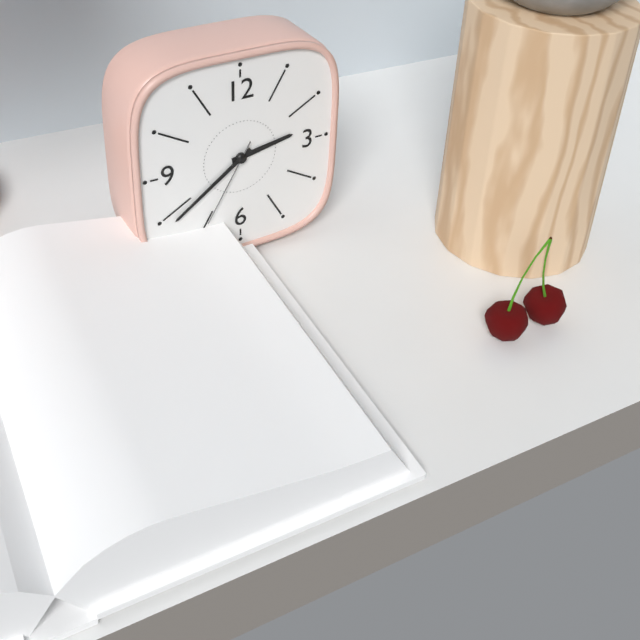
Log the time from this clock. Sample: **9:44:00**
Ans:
**2:39:35**
